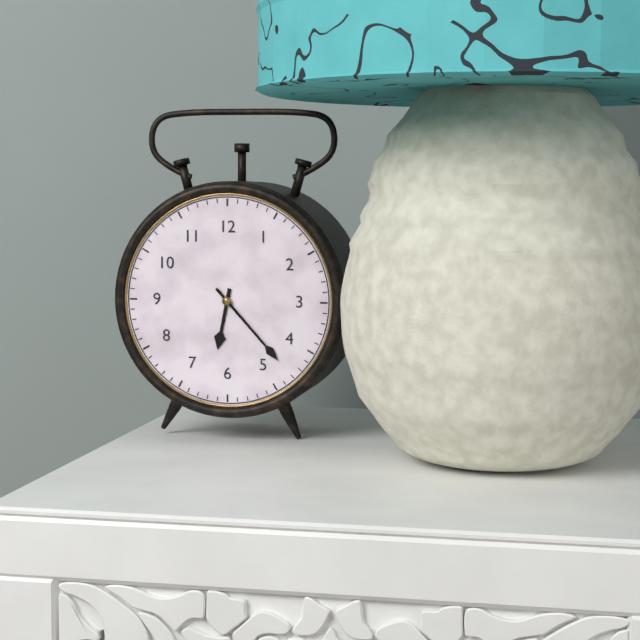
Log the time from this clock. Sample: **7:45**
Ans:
**6:23**
